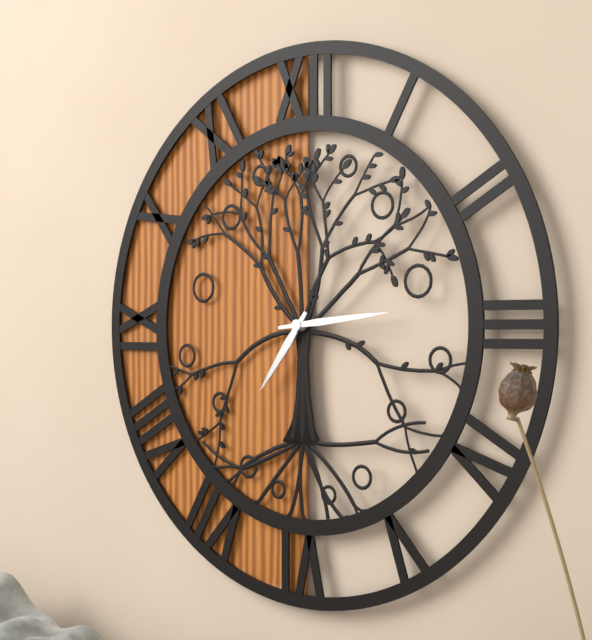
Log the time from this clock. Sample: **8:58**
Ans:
**7:14**
